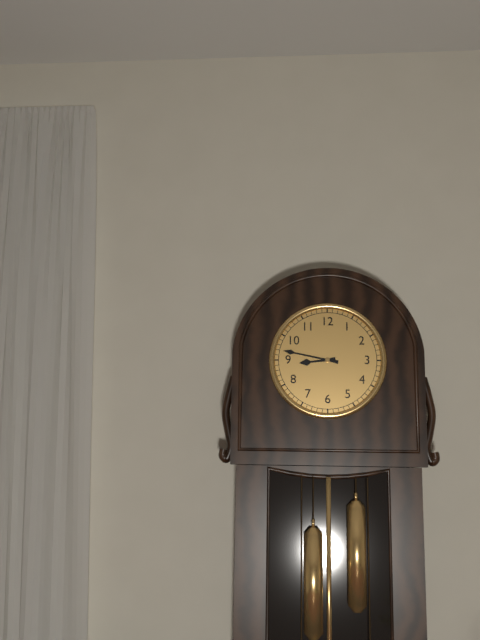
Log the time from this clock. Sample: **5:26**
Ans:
**8:47**
